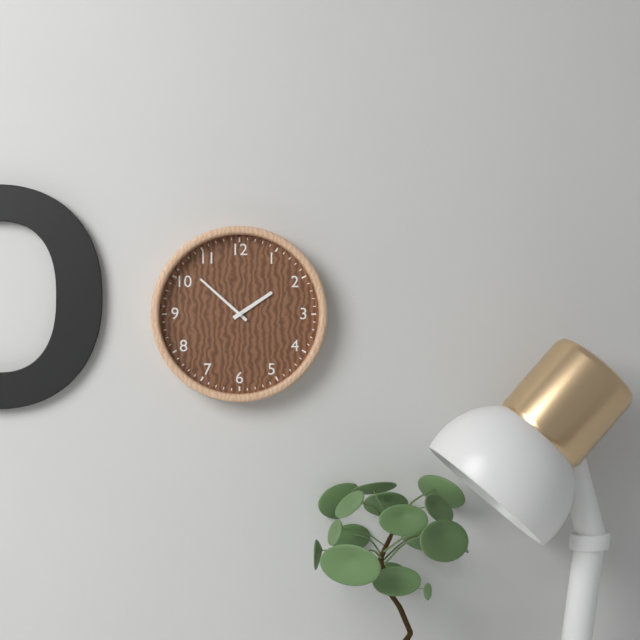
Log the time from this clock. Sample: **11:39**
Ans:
**1:52**
